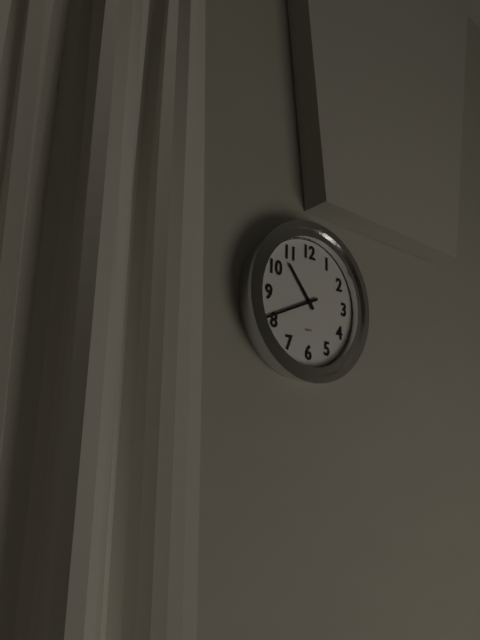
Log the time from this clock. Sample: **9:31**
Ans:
**10:41**
